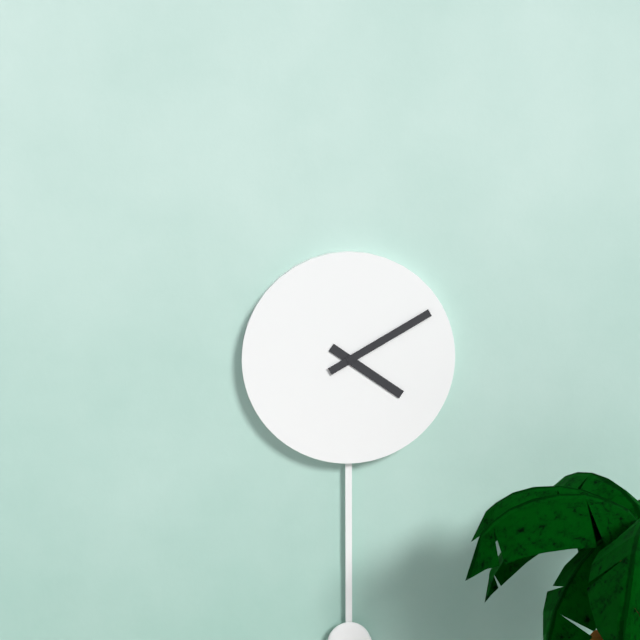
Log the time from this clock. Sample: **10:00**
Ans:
**4:10**
